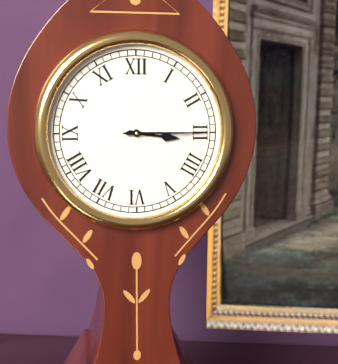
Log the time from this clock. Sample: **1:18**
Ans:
**3:15**
